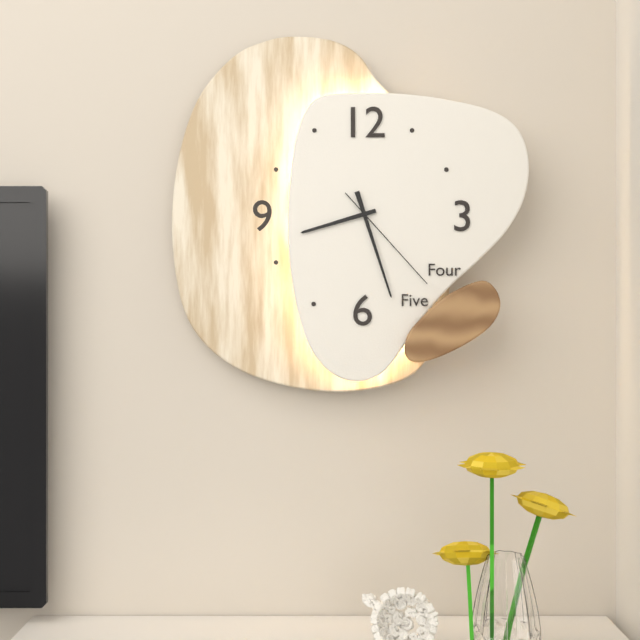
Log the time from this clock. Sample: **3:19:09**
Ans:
**8:27:23**
